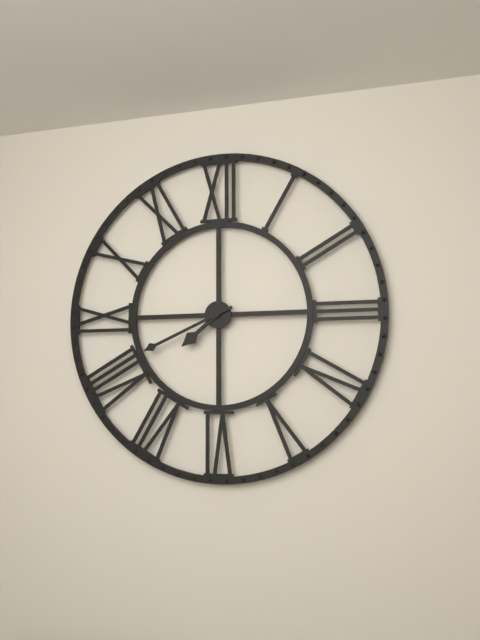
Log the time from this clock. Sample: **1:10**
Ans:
**7:41**
